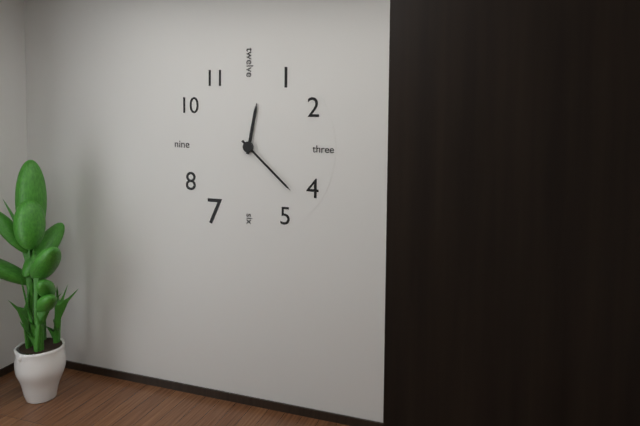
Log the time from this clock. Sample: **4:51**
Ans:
**12:22**
